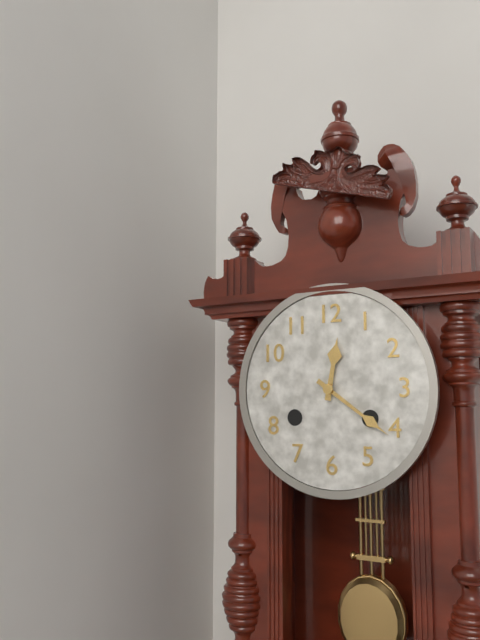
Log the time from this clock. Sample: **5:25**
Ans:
**12:21**
